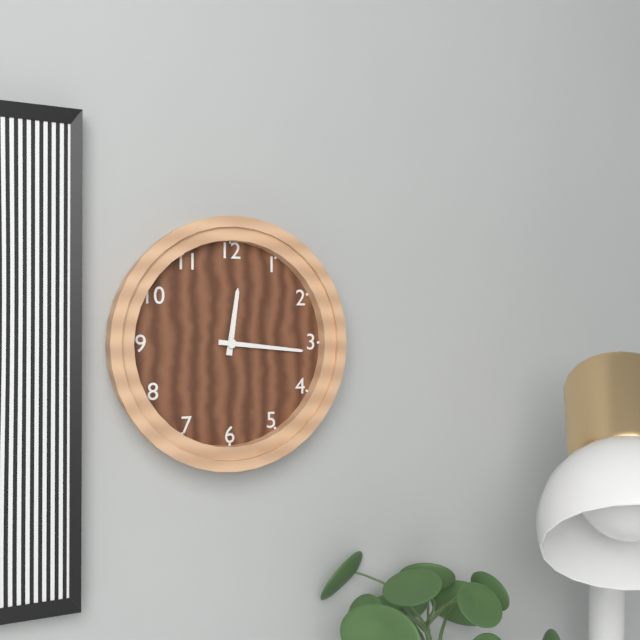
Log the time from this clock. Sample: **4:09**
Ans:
**12:16**
